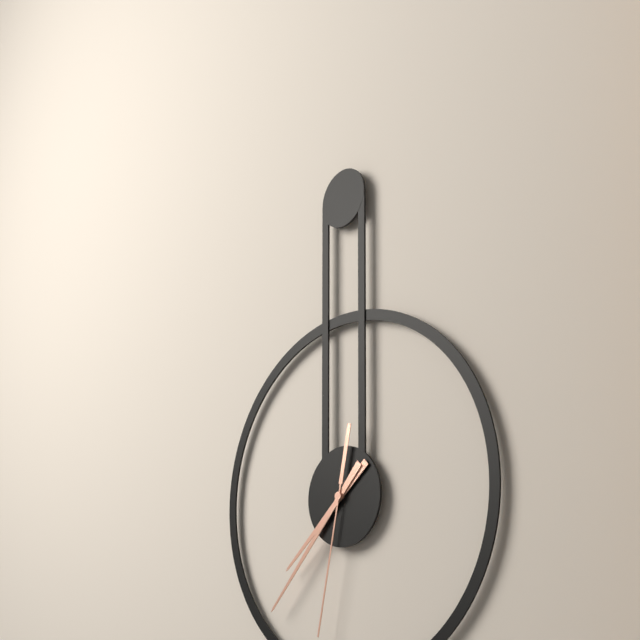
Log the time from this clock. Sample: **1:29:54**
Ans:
**7:37:32**
